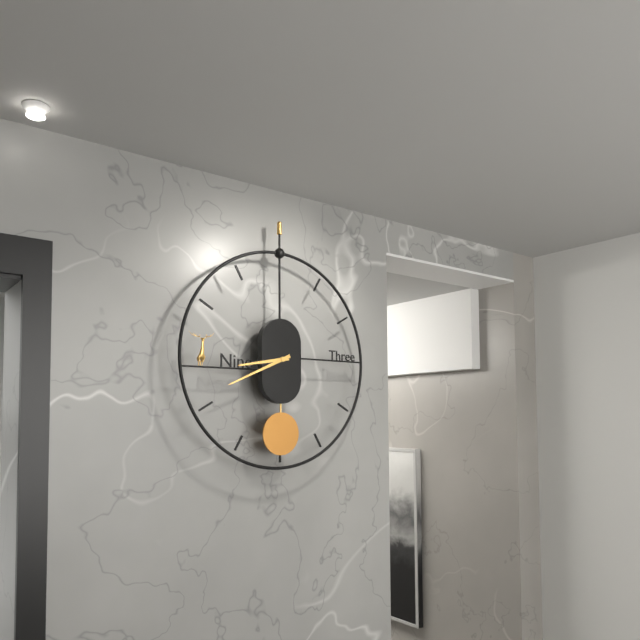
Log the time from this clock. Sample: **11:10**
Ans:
**8:41**
